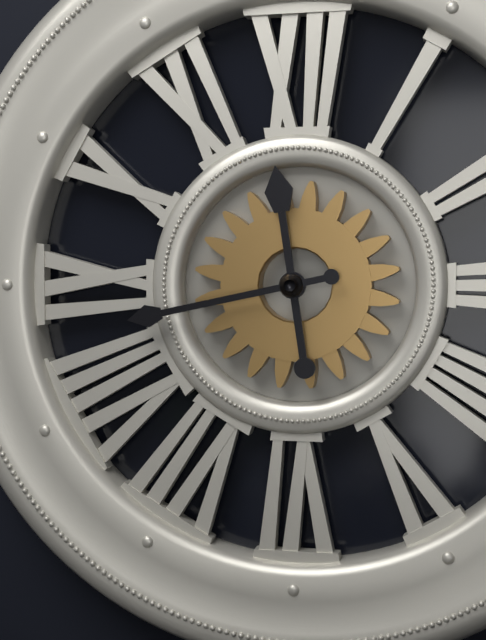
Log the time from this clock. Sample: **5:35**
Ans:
**11:43**
